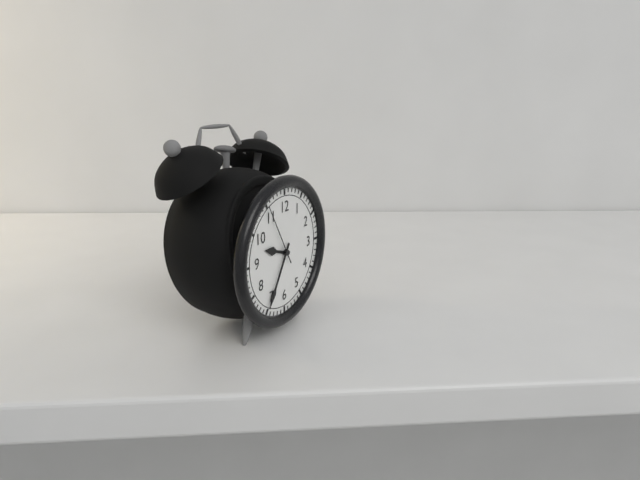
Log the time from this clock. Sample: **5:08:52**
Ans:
**9:35:55**
